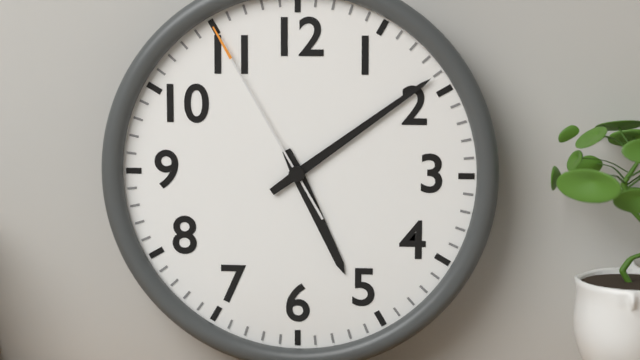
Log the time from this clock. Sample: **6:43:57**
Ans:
**5:09:55**
